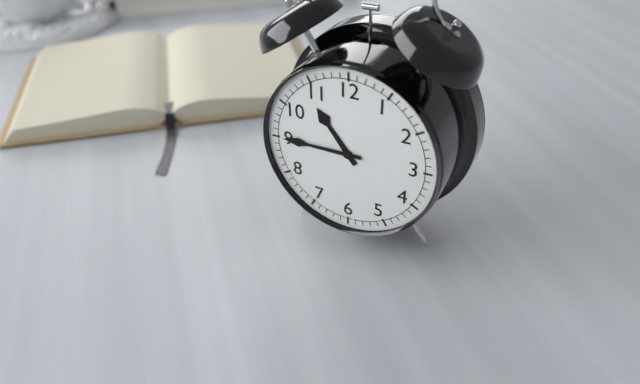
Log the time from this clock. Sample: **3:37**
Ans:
**10:45**
